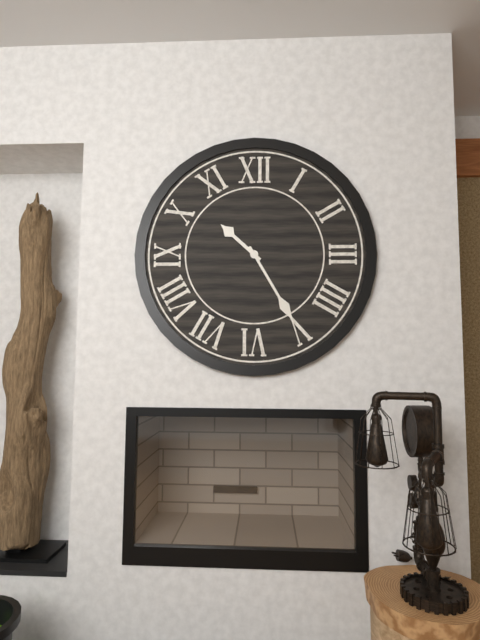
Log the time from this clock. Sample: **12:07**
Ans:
**10:25**
